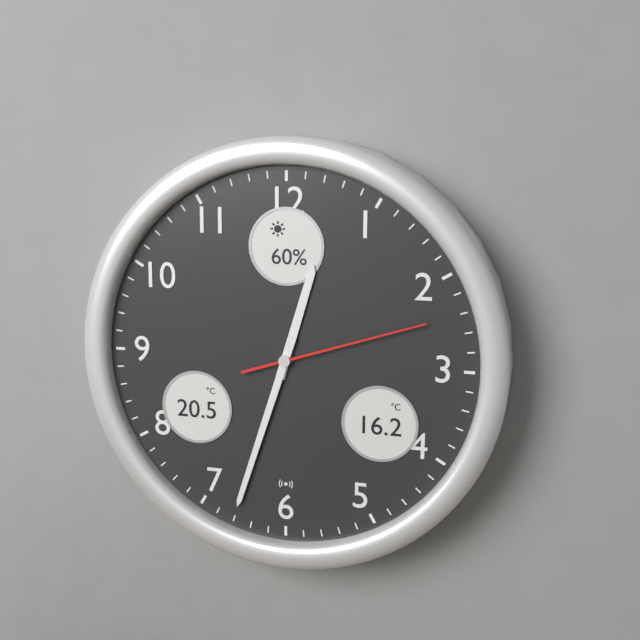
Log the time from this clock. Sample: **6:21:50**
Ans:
**12:33:12**
